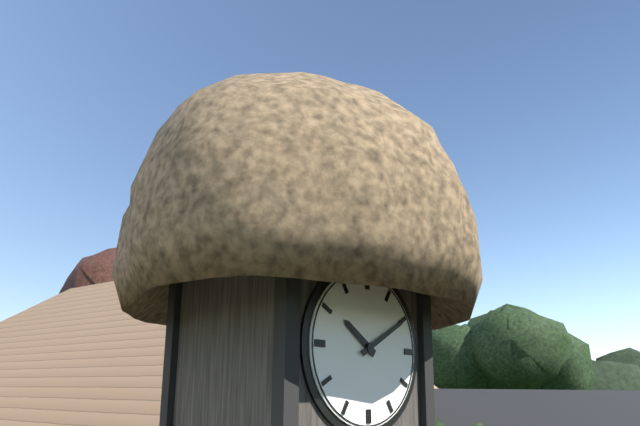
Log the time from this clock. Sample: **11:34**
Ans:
**10:10**
